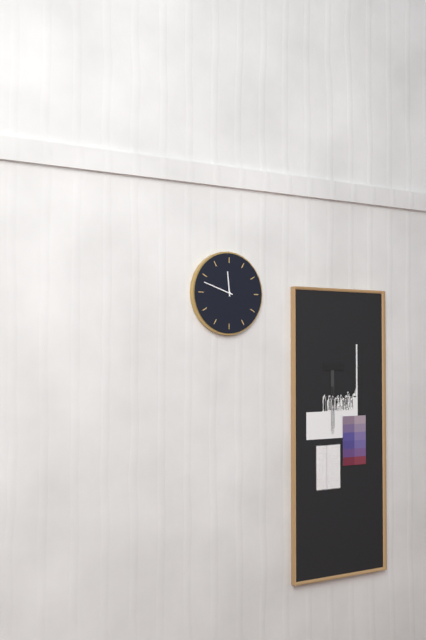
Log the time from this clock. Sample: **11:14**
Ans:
**11:48**
